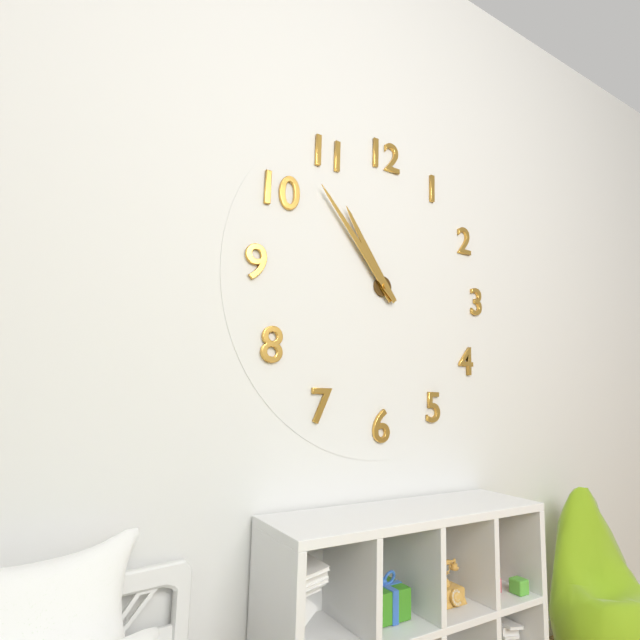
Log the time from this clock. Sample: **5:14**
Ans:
**10:53**
